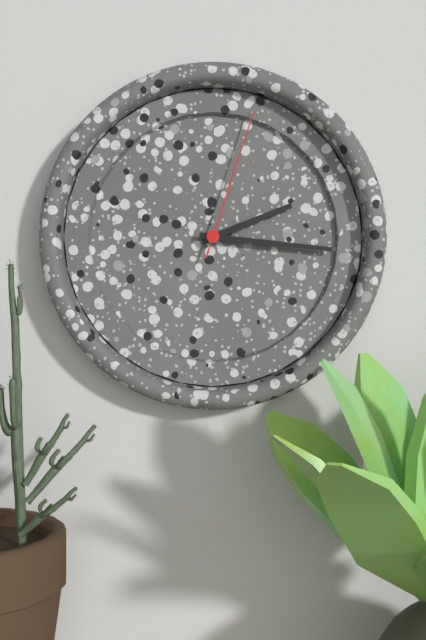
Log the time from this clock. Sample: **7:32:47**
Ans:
**2:16:03**
